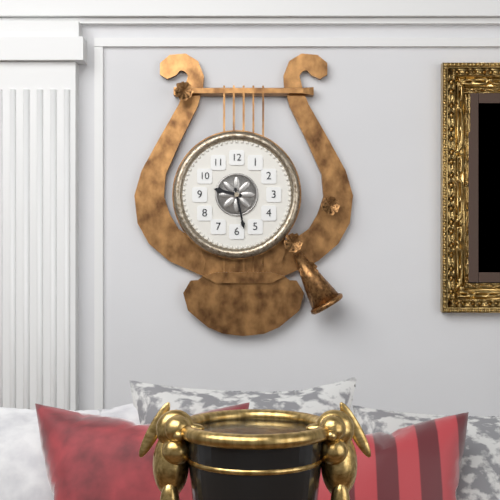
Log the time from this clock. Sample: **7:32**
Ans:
**9:28**
